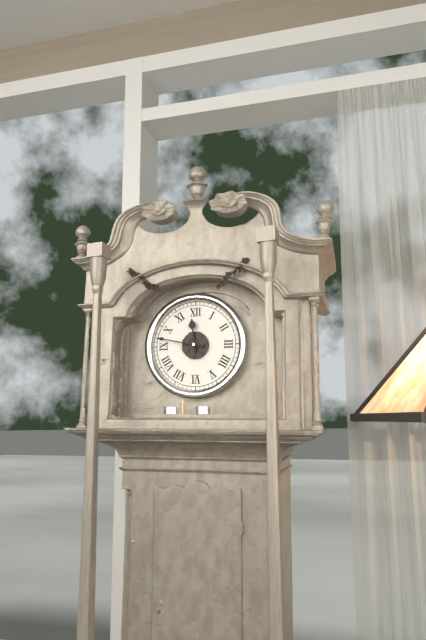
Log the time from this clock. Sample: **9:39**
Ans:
**11:47**
